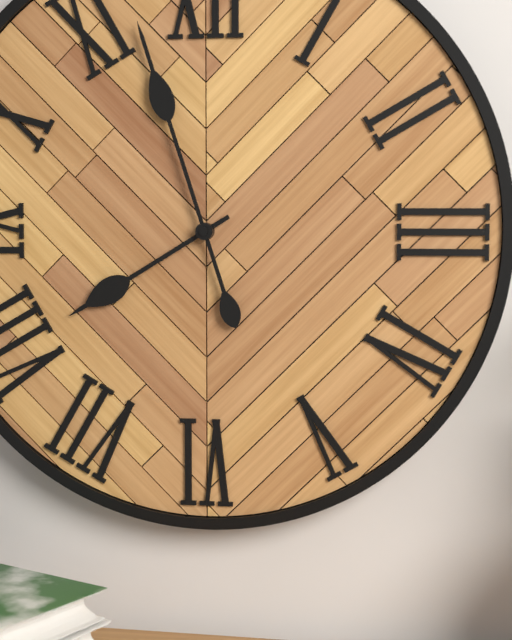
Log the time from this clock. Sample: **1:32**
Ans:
**7:57**
